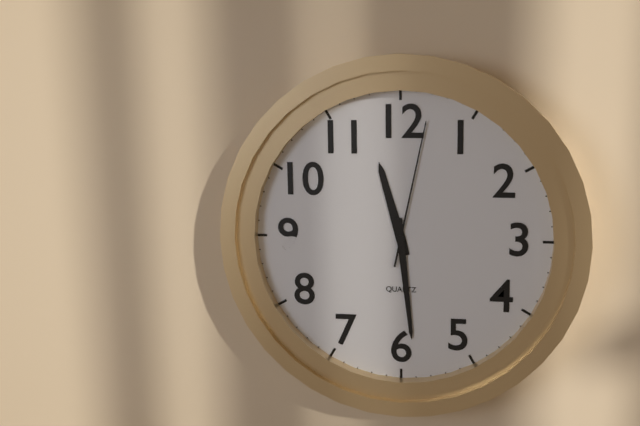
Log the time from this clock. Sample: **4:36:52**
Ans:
**11:29:02**
